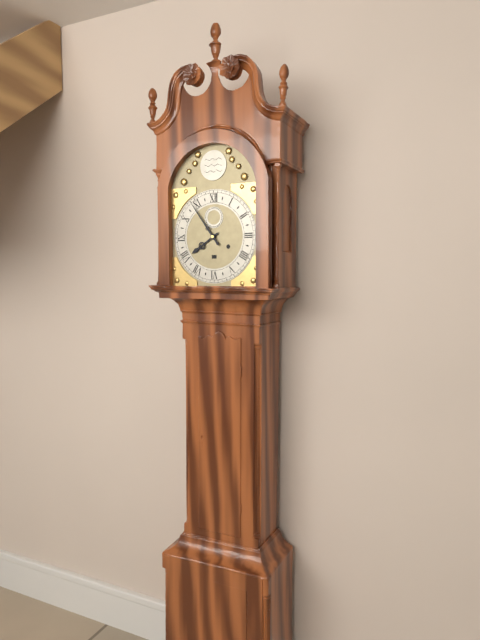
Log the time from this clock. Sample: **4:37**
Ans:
**7:54**
